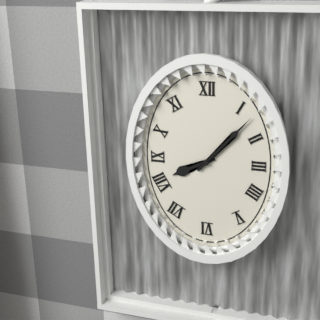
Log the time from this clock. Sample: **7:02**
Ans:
**8:07**
